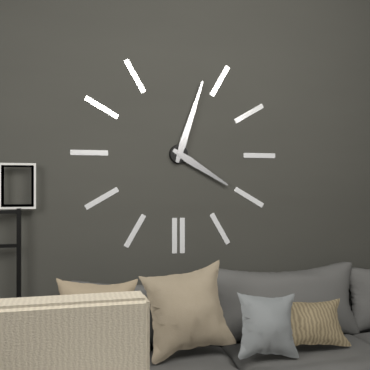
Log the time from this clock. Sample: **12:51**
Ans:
**4:03**
